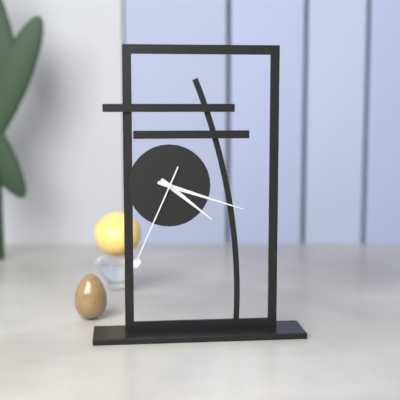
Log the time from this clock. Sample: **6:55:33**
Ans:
**4:18:34**
